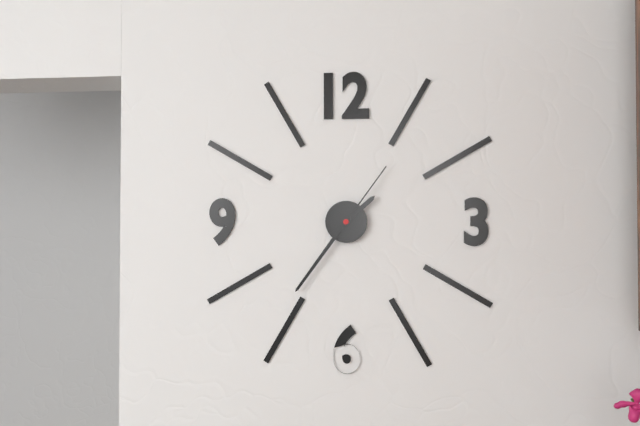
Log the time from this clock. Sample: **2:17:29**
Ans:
**1:36:06**
